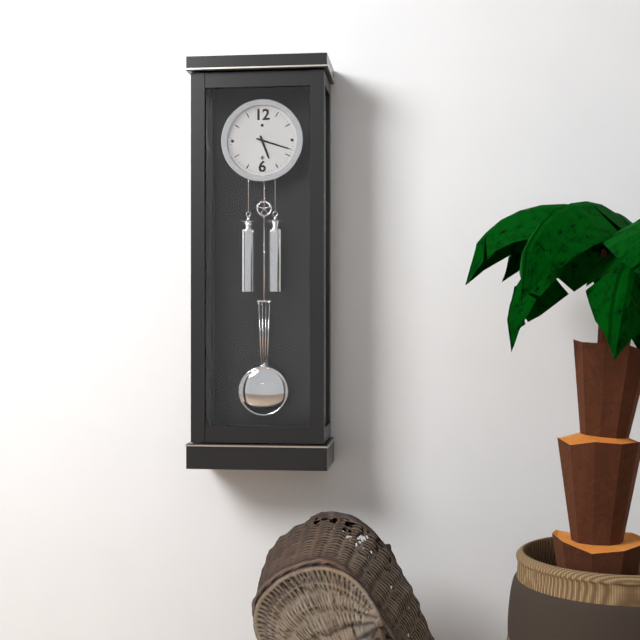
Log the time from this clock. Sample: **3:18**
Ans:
**5:18**
